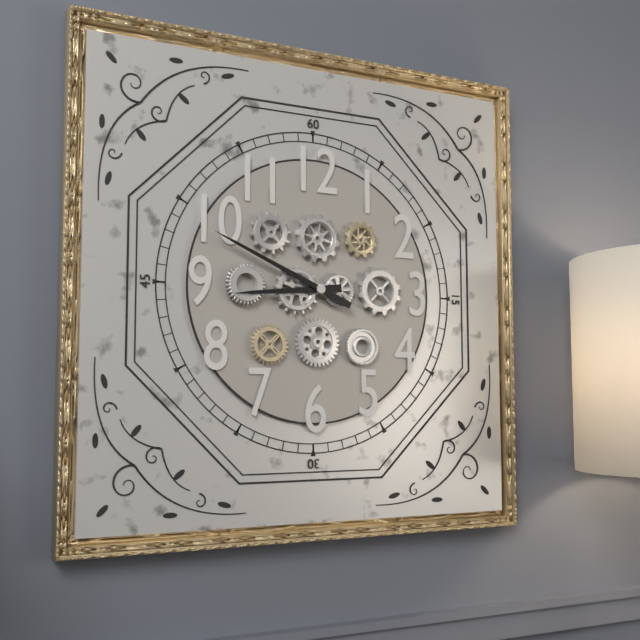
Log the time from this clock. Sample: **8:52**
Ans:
**8:49**
